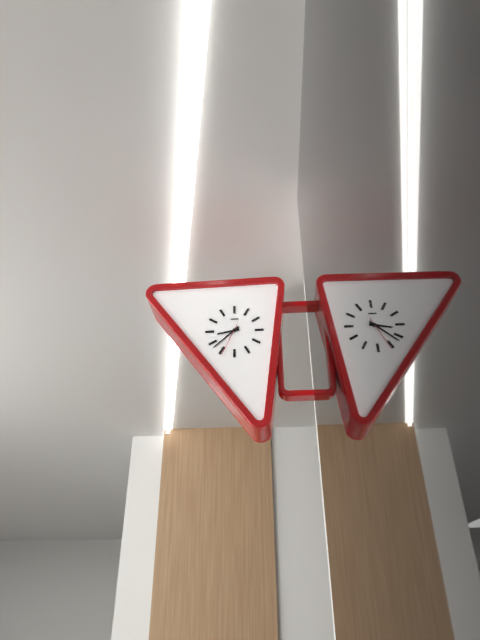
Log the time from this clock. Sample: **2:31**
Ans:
**8:38**
